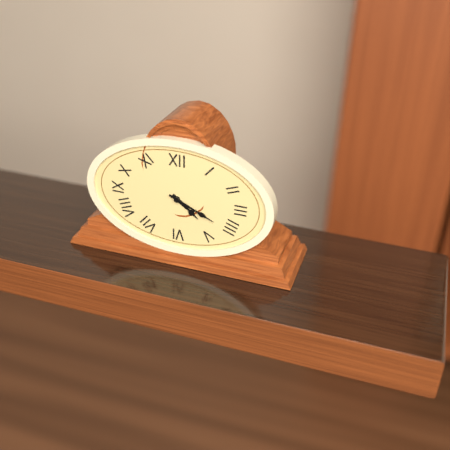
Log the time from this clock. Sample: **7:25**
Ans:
**4:19**
